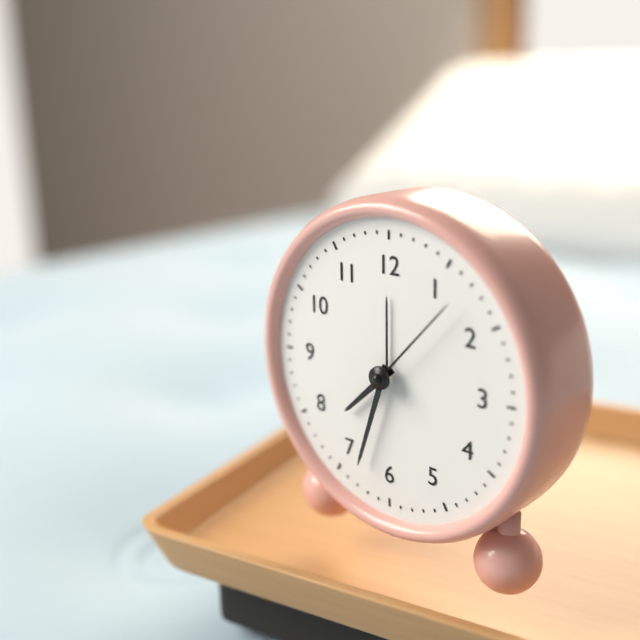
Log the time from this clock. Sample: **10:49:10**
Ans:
**7:33:07**
